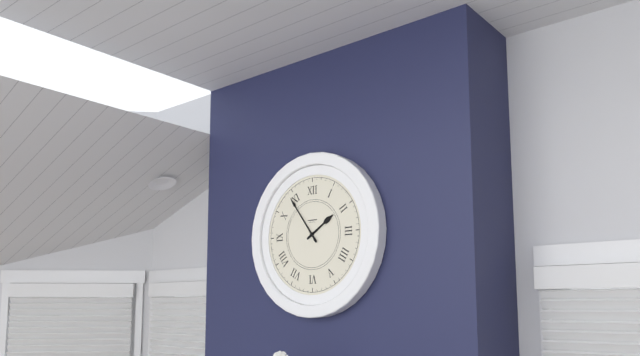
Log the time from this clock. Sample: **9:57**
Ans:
**1:54**
